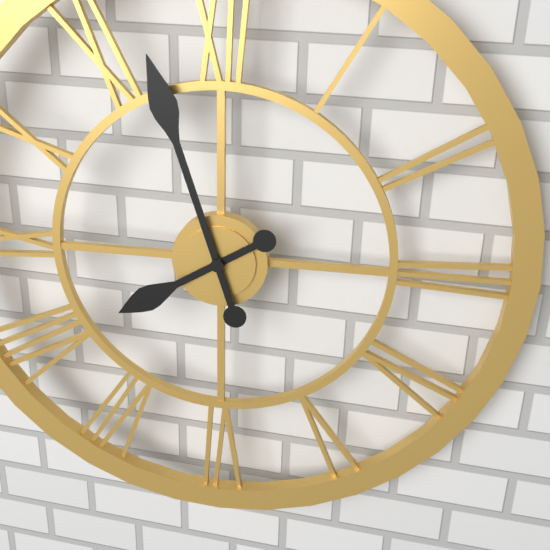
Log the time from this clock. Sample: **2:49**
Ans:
**7:57**
